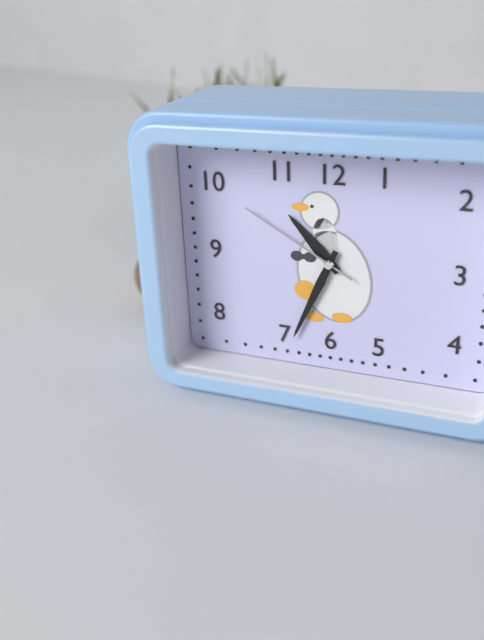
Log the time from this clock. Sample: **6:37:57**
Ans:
**10:34:50**
